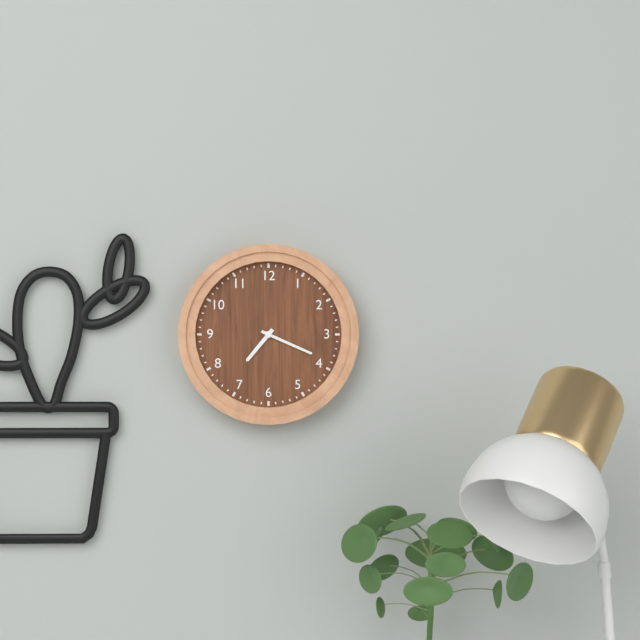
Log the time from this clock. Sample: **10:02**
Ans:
**7:19**
